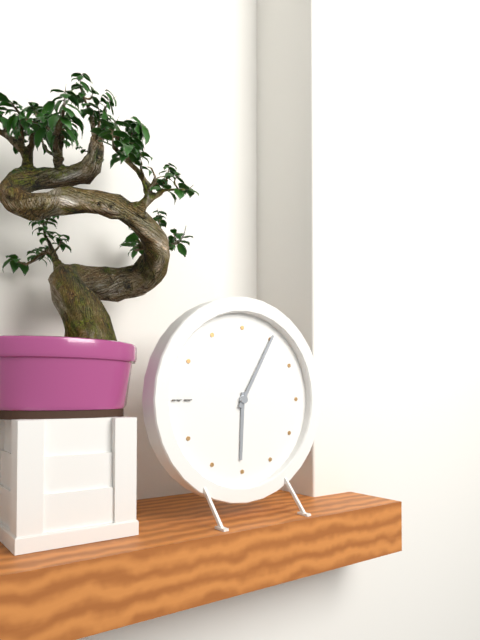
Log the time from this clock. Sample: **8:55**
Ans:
**6:05**
